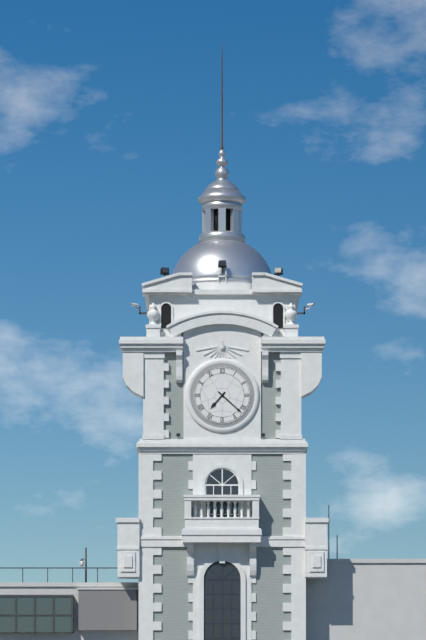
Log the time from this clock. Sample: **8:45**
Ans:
**7:22**
